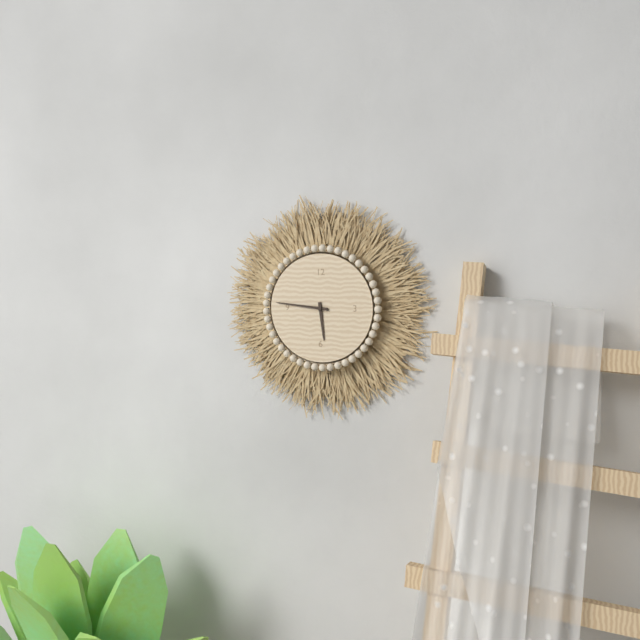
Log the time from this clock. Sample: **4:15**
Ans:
**5:46**
